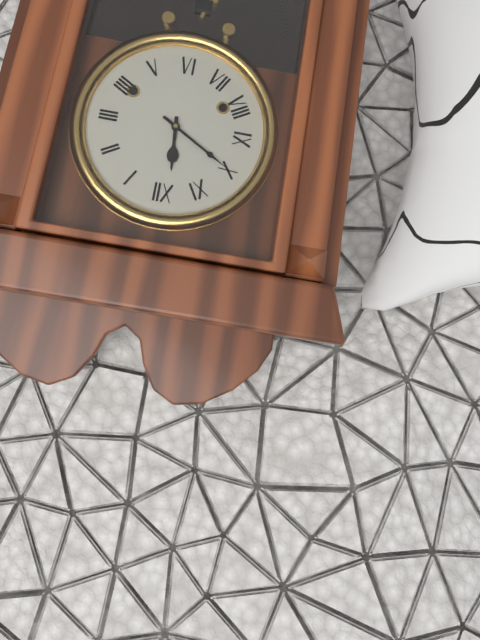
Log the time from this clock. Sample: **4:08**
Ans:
**11:50**
